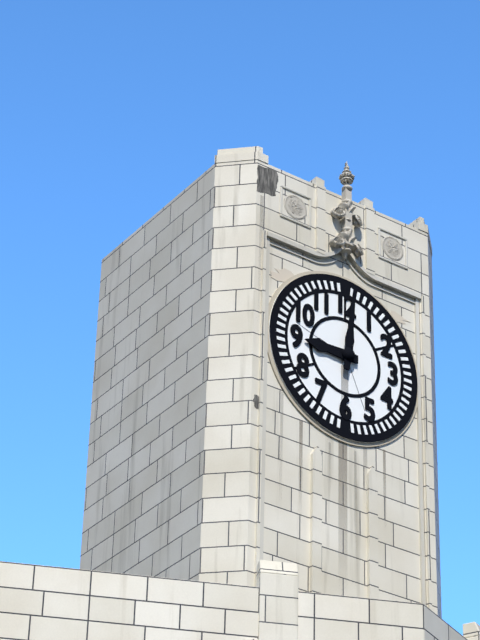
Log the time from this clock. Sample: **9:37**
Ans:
**9:01**
